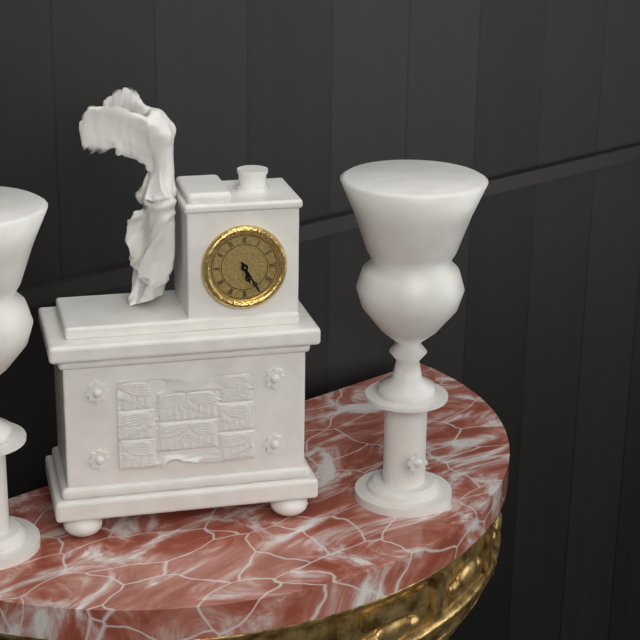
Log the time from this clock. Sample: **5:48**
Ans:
**5:25**
